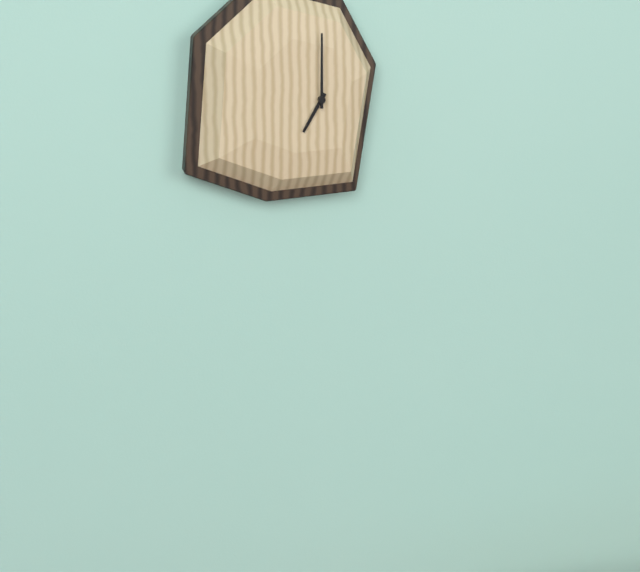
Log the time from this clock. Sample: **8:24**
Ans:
**7:00**
